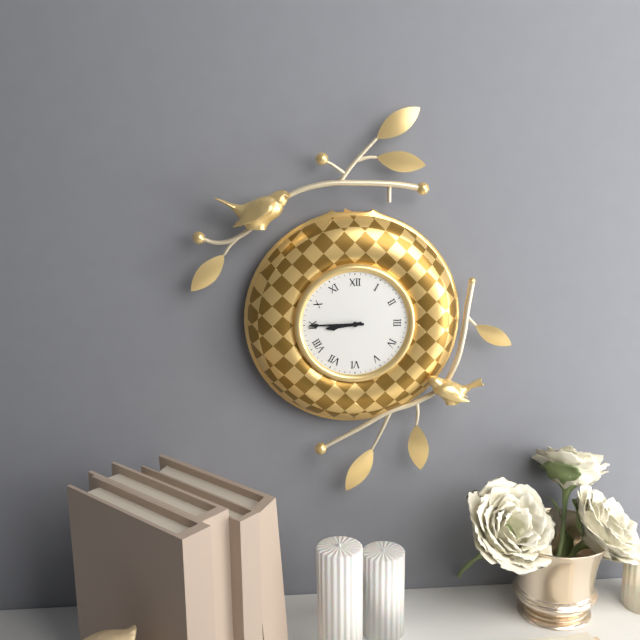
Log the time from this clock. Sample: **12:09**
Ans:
**8:45**
